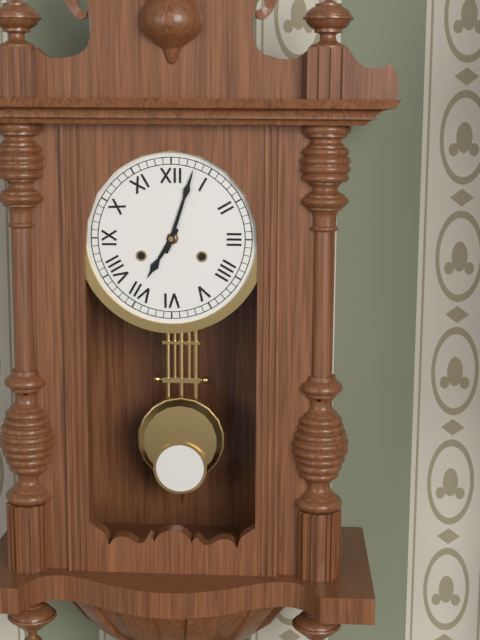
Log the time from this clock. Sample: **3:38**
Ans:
**7:03**
